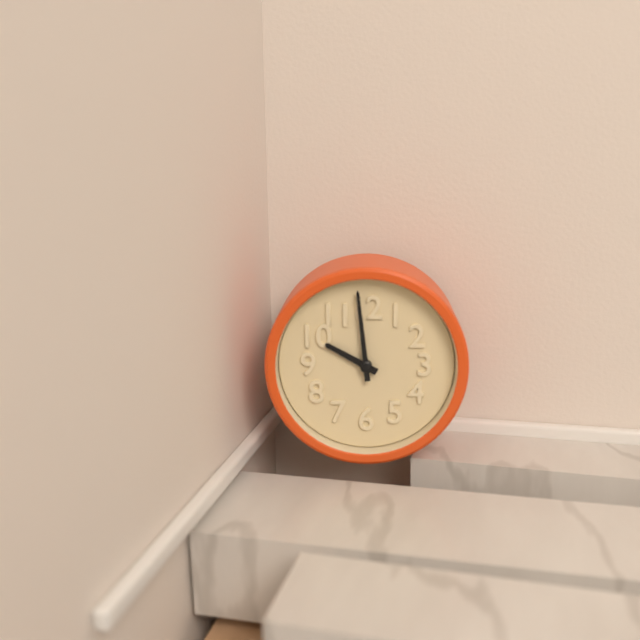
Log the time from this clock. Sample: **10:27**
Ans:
**9:59**
